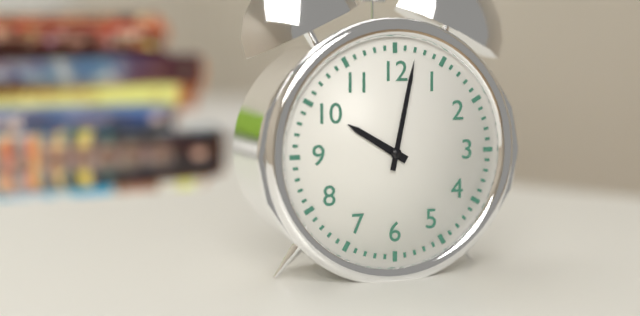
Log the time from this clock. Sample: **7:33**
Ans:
**10:02**
